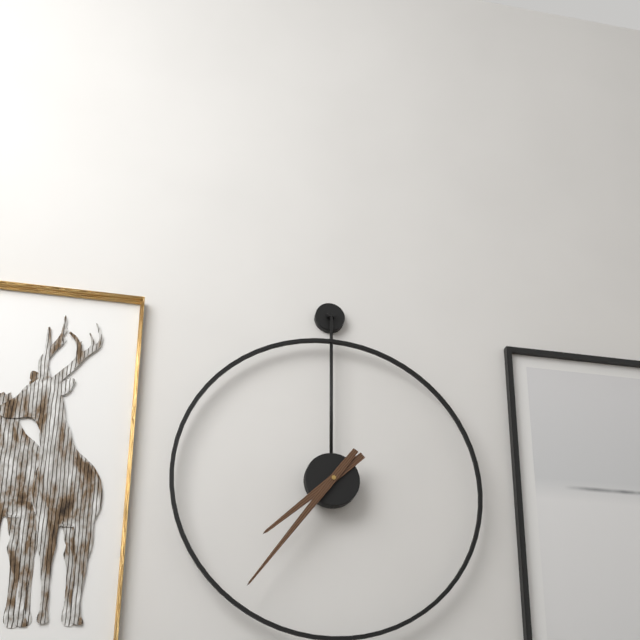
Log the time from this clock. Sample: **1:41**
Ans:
**7:36**
